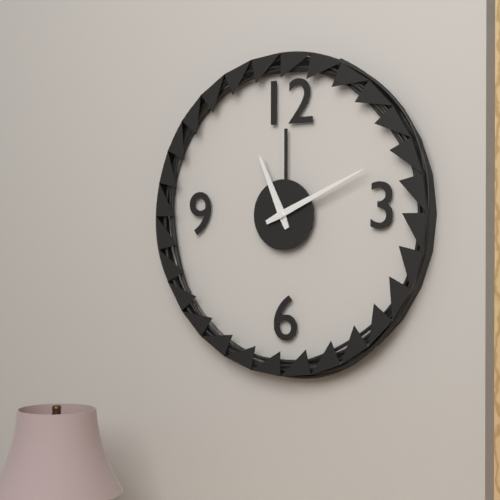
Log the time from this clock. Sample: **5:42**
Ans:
**11:11**
